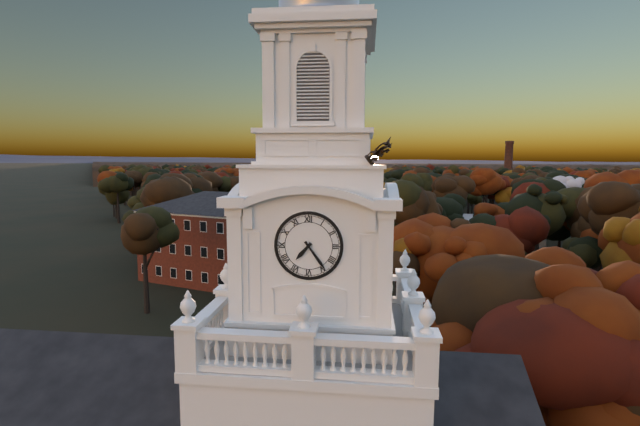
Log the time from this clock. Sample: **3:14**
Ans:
**7:24**
